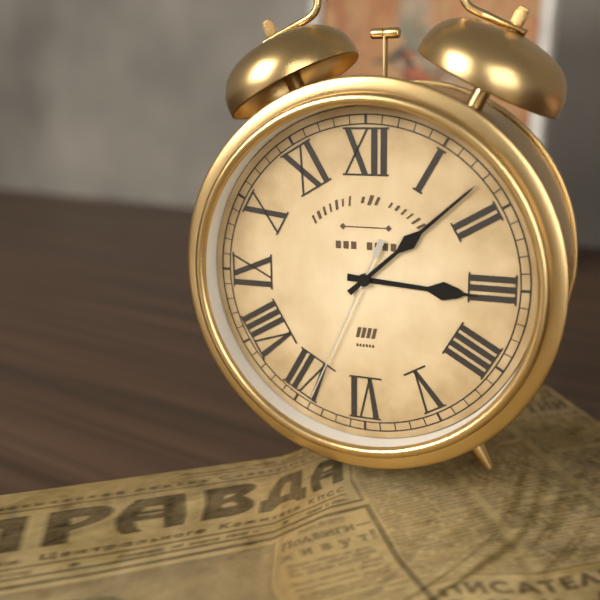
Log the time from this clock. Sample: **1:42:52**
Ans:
**3:08:34**
